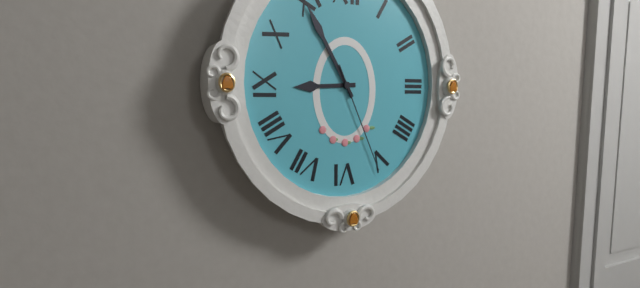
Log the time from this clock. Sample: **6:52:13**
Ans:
**8:55:26**
